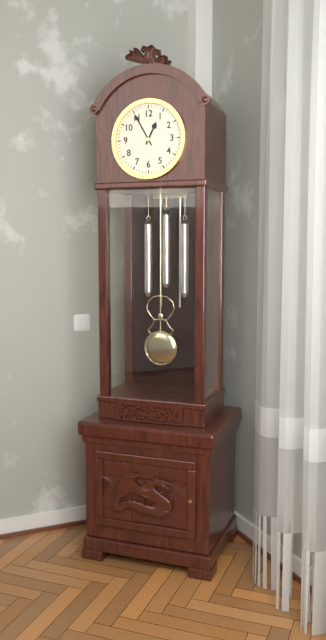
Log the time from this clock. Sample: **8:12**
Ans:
**12:55**
